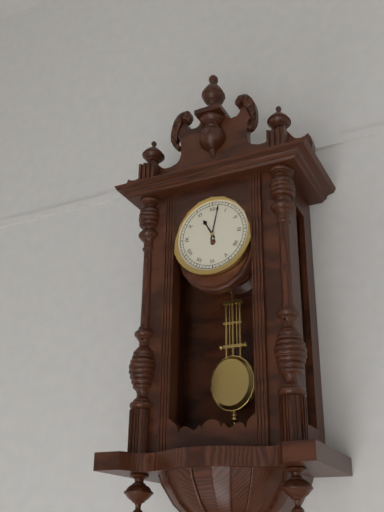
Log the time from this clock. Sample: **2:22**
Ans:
**11:02**
